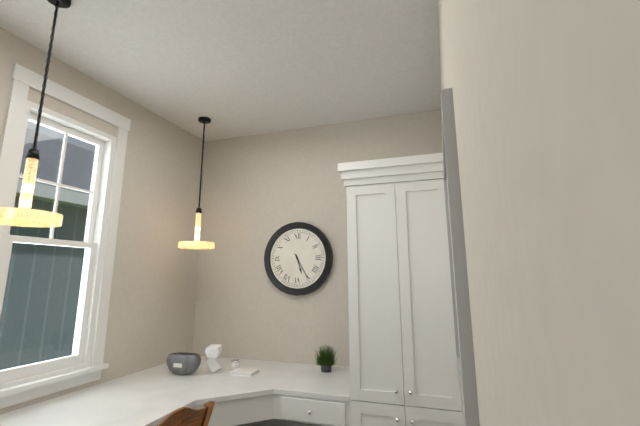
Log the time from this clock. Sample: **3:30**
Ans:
**5:25**
